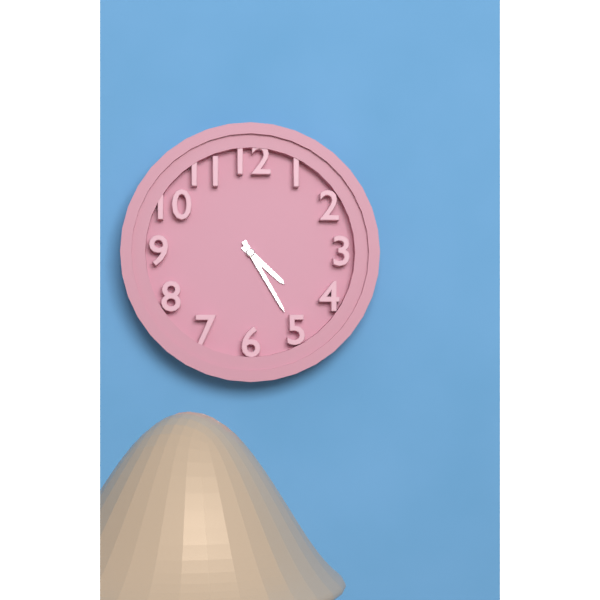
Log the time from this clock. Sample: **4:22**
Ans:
**4:25**
